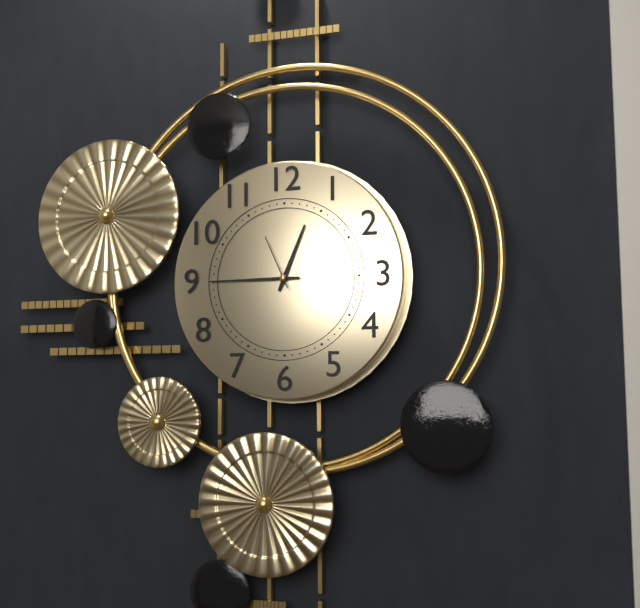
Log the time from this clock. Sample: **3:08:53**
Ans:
**12:45:56**
